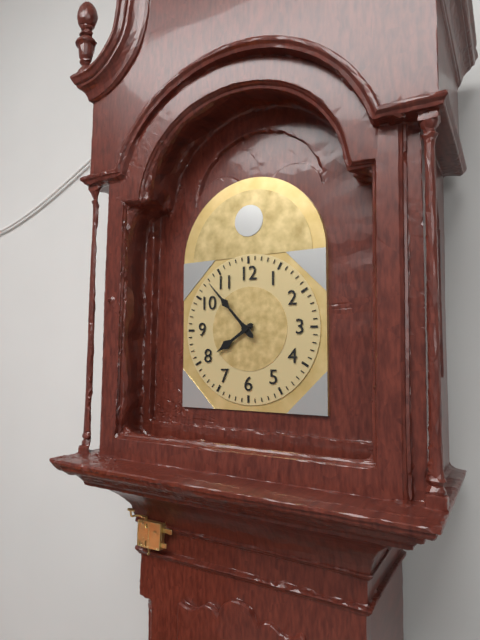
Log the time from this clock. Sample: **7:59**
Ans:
**7:53**
